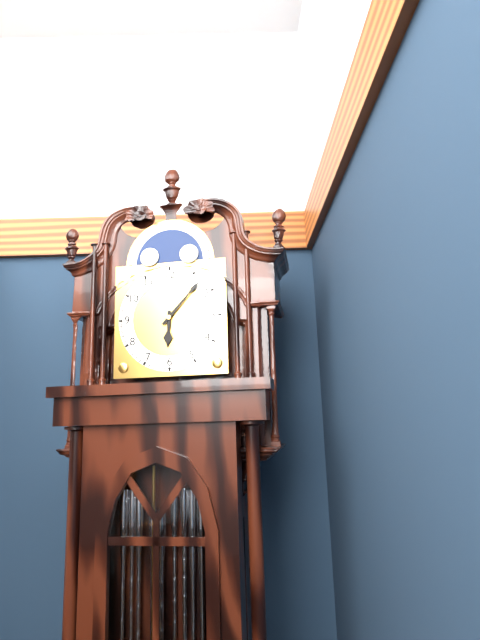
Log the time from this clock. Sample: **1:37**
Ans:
**6:07**
